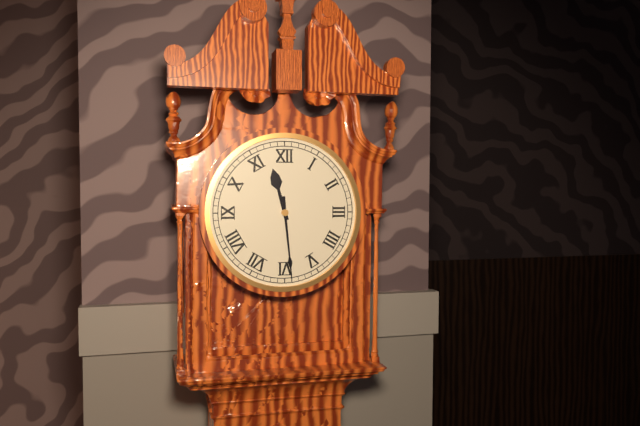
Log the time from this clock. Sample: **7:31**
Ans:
**11:29**
